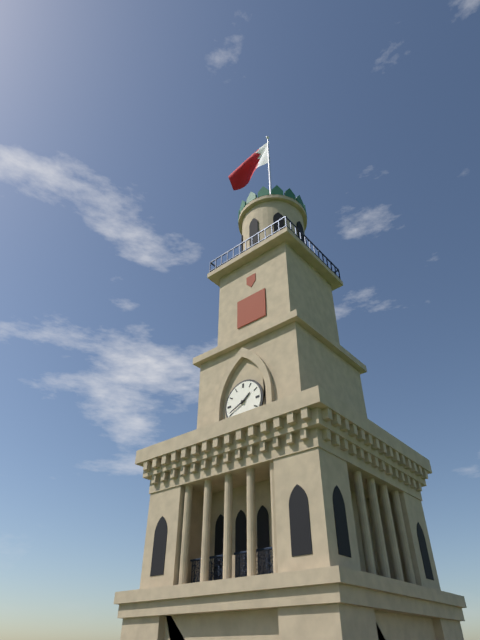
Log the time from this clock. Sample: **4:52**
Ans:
**1:41**
